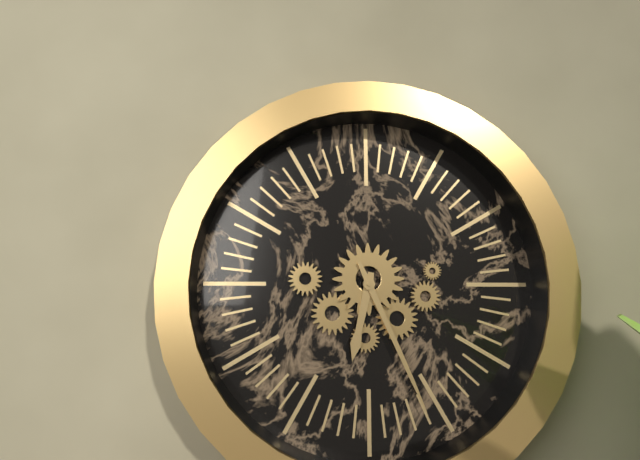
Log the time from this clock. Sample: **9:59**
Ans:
**6:26**
